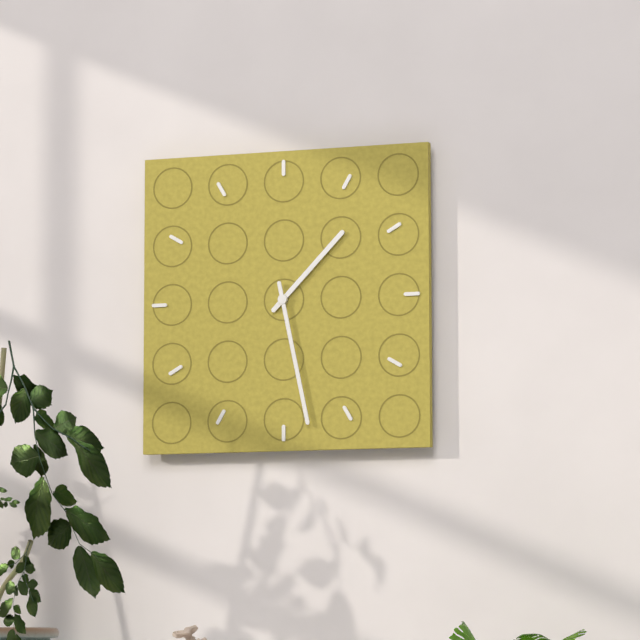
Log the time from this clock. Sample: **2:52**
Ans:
**1:28**
